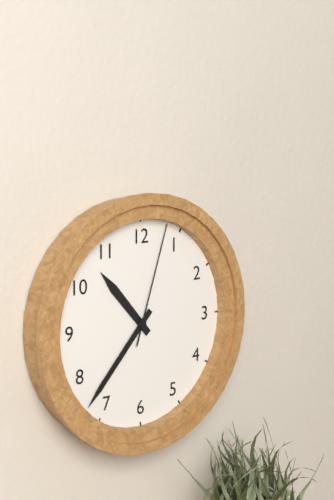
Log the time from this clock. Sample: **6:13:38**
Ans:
**10:37:03**
